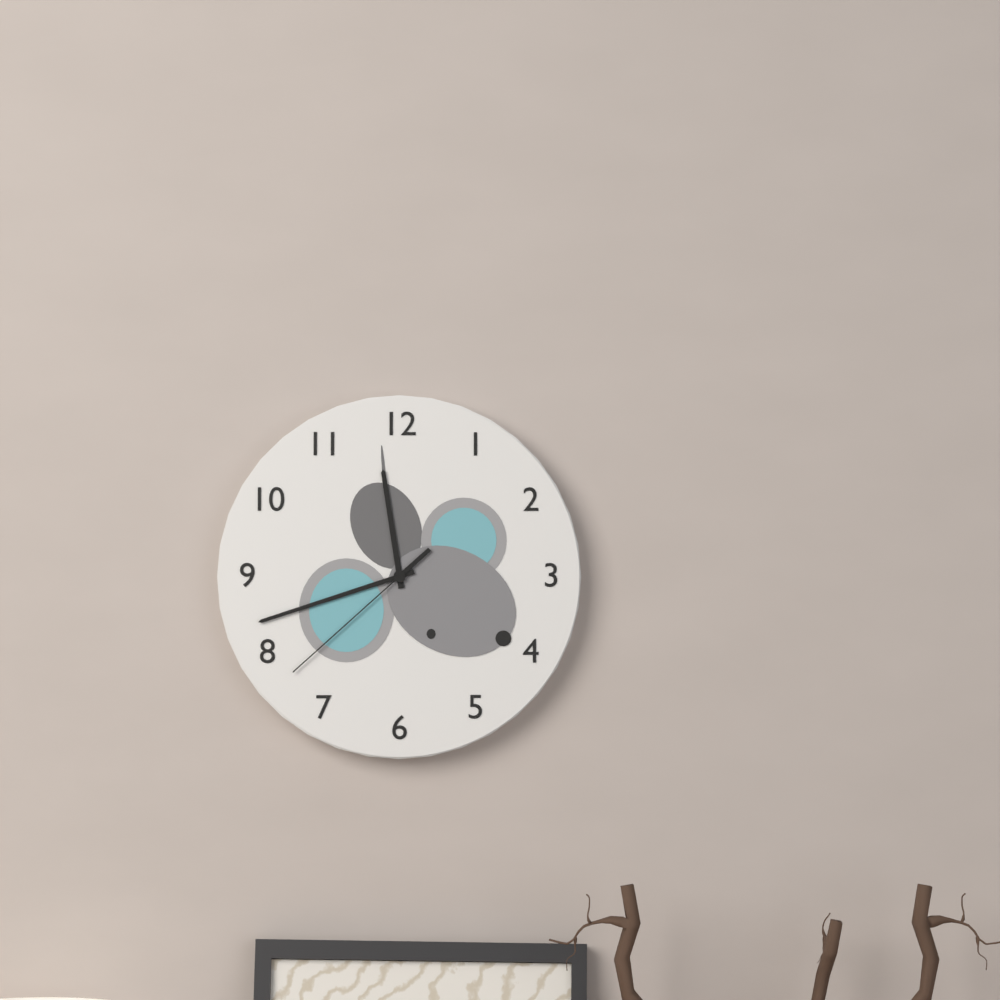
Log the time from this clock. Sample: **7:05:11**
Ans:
**11:42:38**
